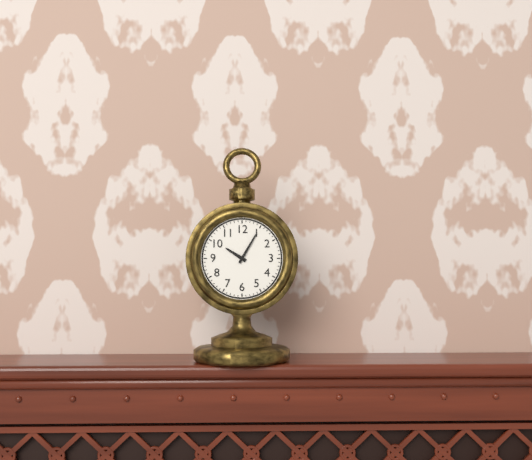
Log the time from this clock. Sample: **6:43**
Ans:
**10:05**
